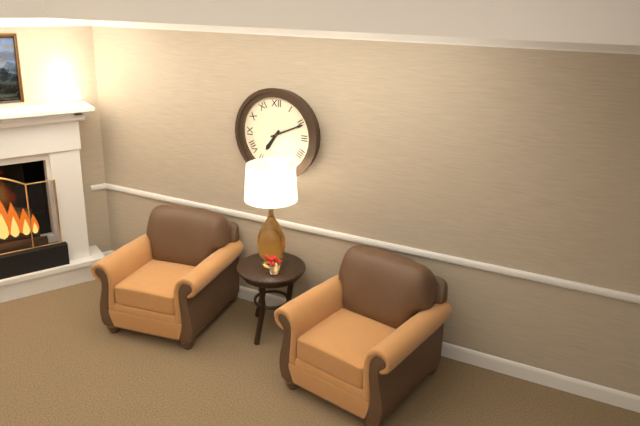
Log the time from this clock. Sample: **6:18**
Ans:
**7:11**
